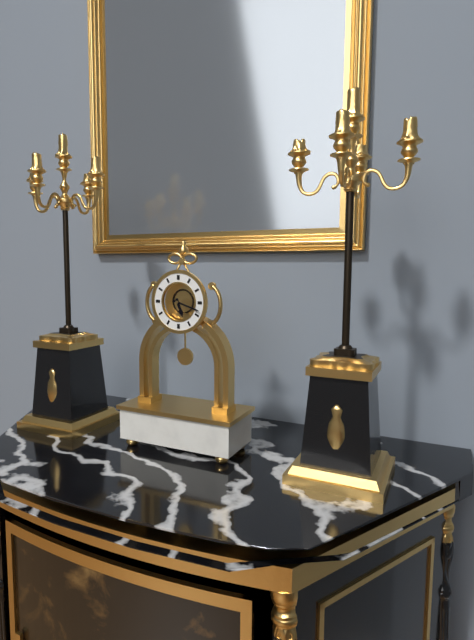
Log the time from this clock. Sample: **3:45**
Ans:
**5:18**
